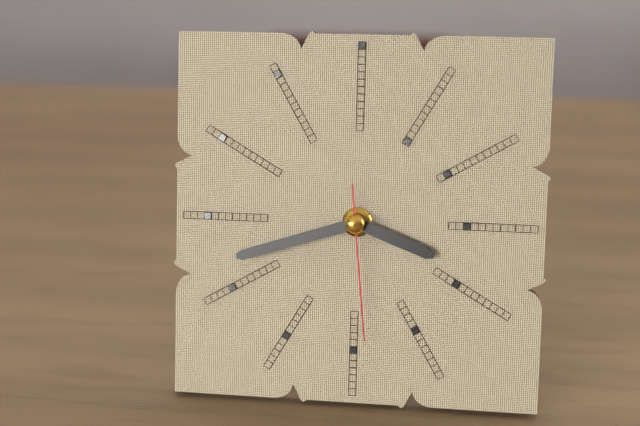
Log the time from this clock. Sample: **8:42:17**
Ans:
**3:42:29**
